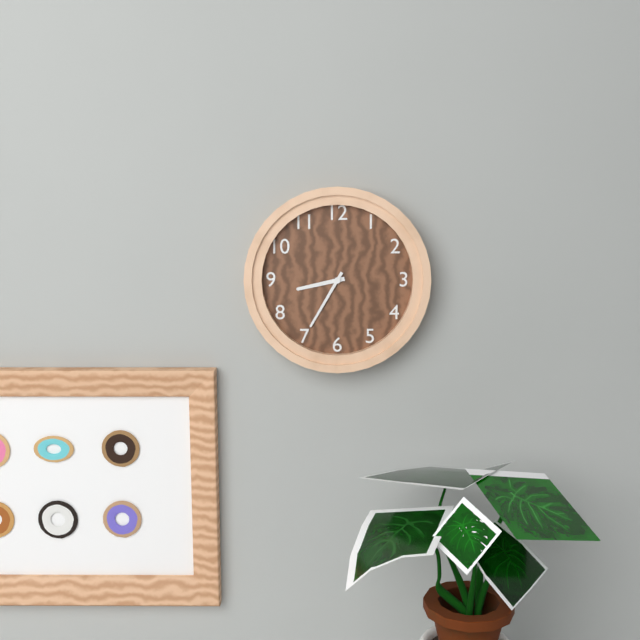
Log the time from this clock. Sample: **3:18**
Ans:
**8:35**
